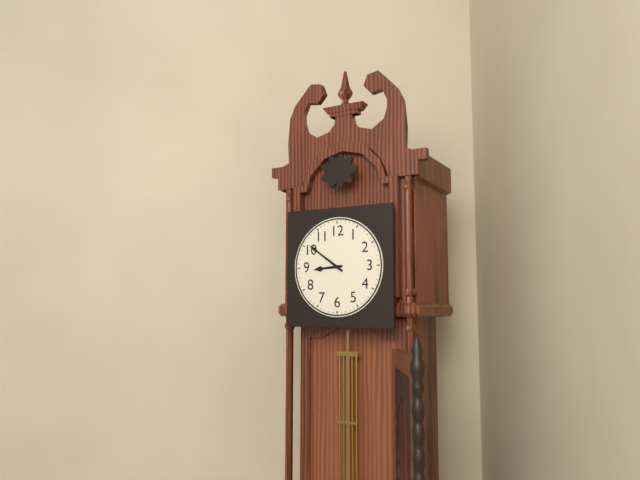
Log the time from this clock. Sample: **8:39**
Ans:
**8:51**
